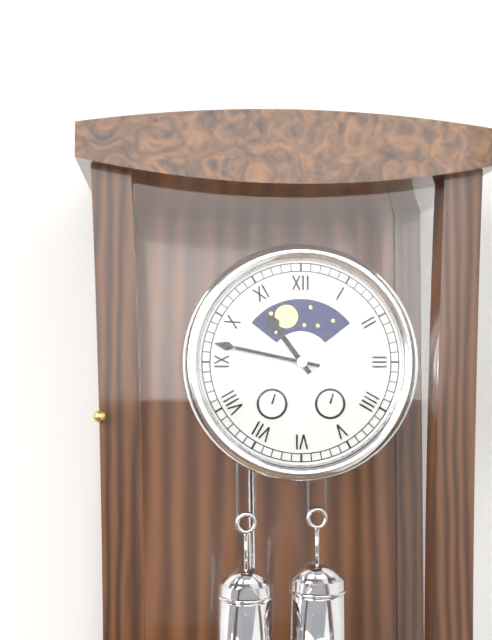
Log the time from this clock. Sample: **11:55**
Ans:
**10:47**
